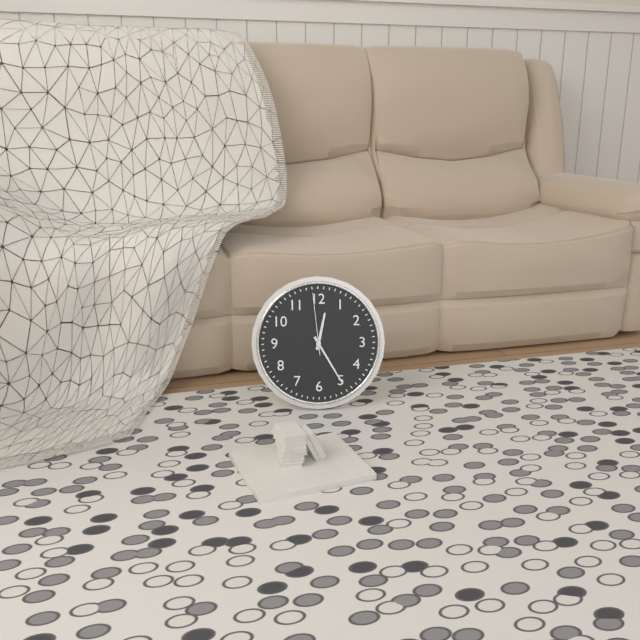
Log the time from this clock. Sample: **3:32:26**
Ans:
**12:25:59**
